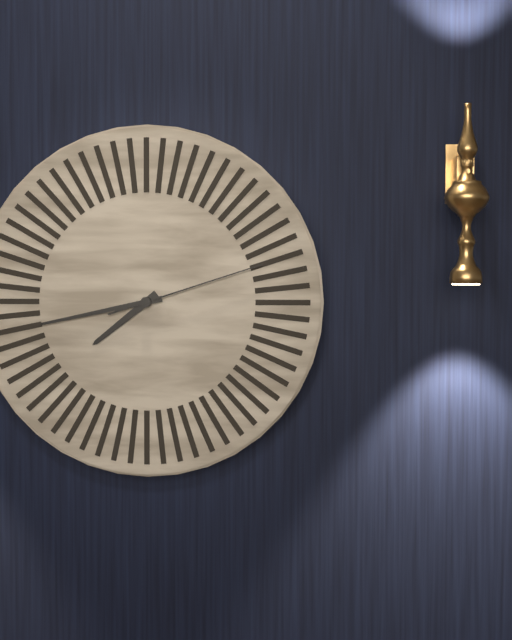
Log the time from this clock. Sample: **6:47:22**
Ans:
**7:43:12**
